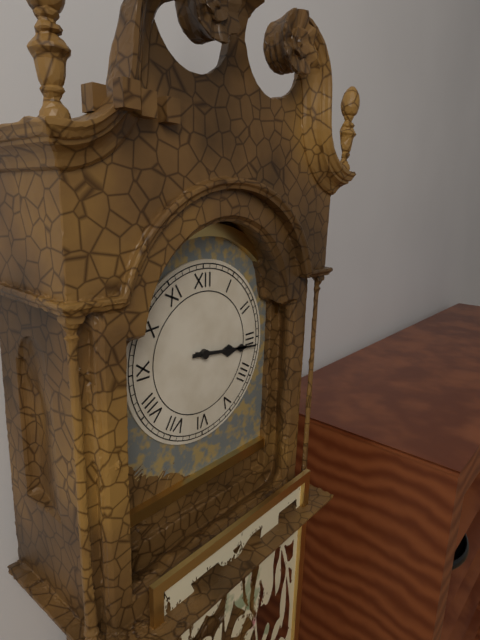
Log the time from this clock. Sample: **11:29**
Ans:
**3:16**
